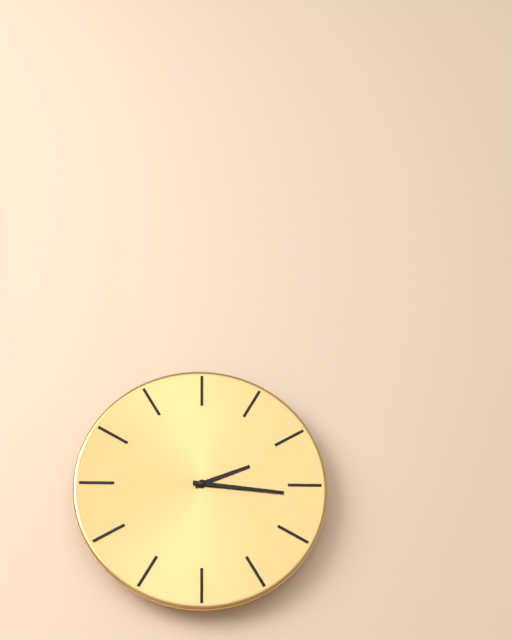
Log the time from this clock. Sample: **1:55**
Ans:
**2:16**
